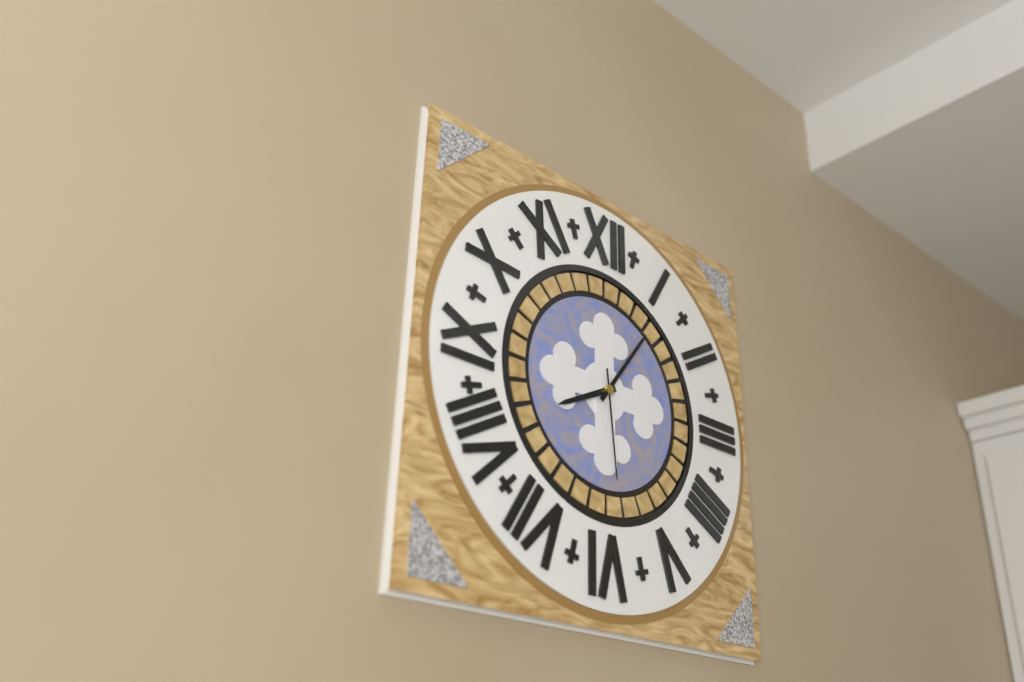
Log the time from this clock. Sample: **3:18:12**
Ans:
**8:06:29**
